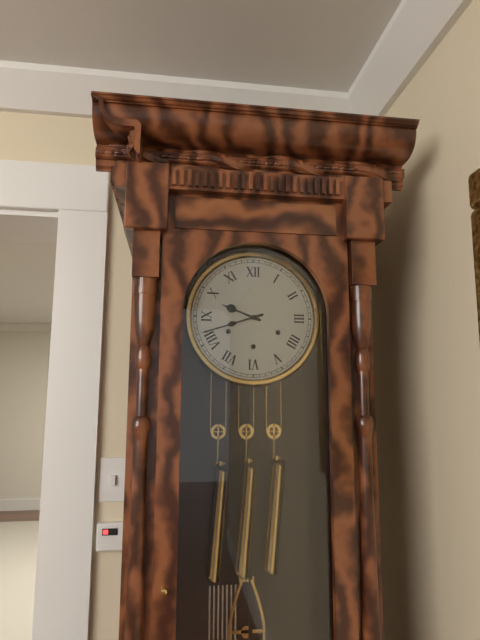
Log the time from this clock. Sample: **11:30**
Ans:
**9:42**
